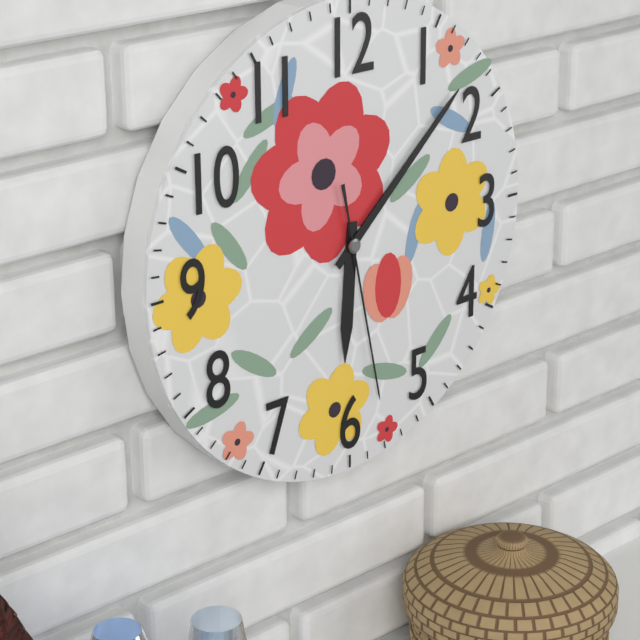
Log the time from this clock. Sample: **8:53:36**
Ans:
**6:08:28**
